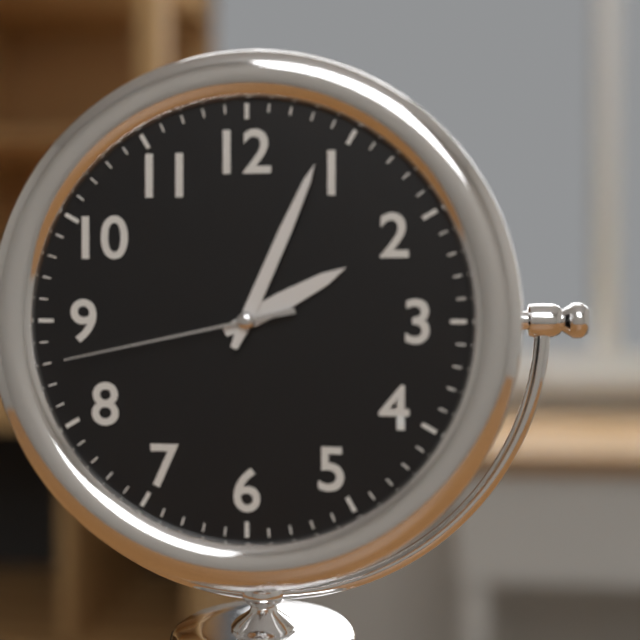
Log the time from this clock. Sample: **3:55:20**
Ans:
**2:04:43**
